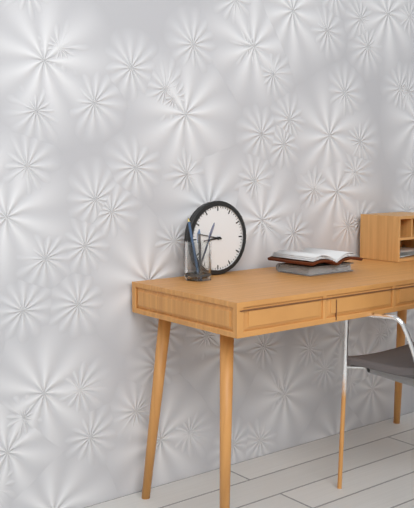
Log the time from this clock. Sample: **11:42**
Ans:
**8:47**
